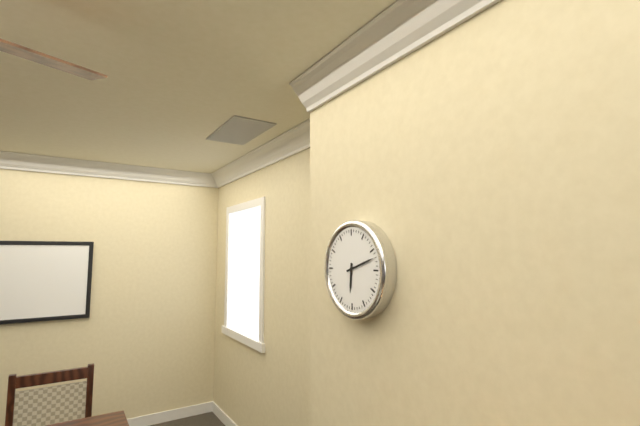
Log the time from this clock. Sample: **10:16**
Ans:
**6:12**
